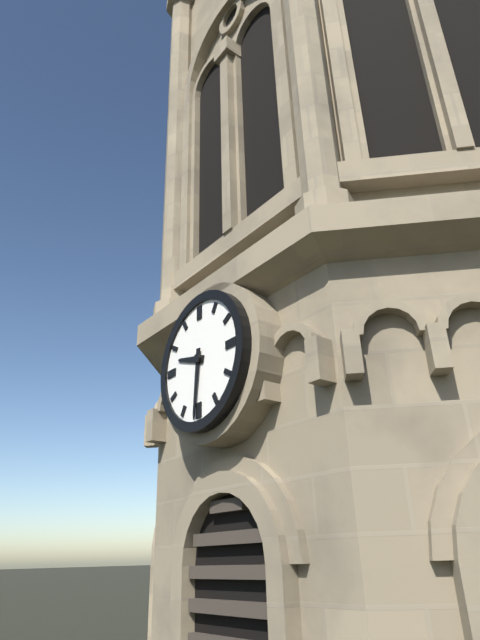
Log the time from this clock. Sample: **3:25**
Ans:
**9:31**
